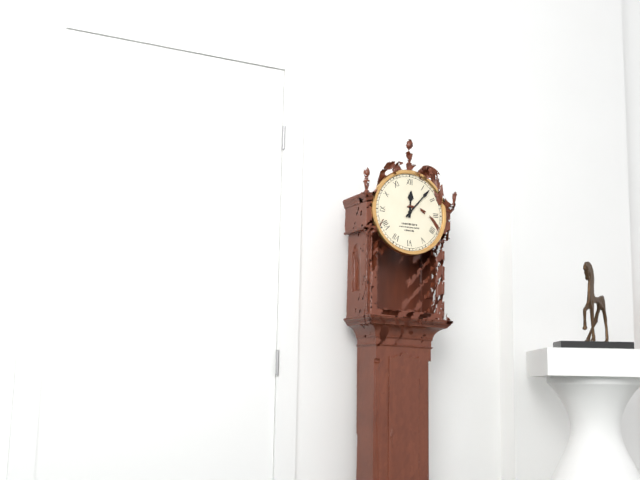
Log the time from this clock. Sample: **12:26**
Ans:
**12:07**
